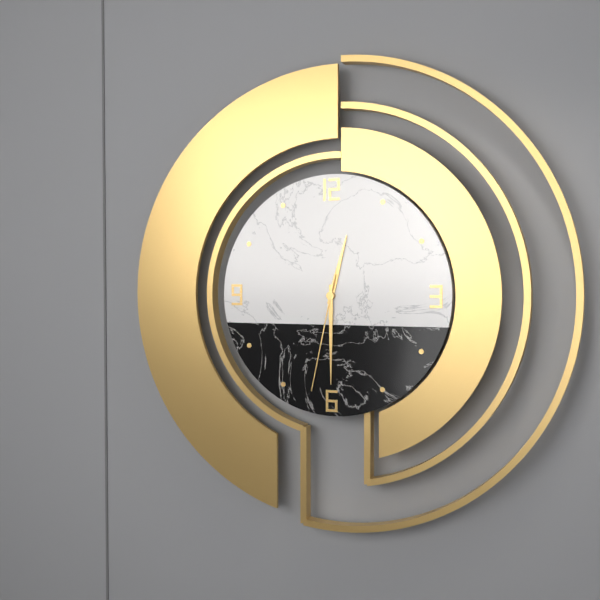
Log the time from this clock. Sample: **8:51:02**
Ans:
**12:30:32**
